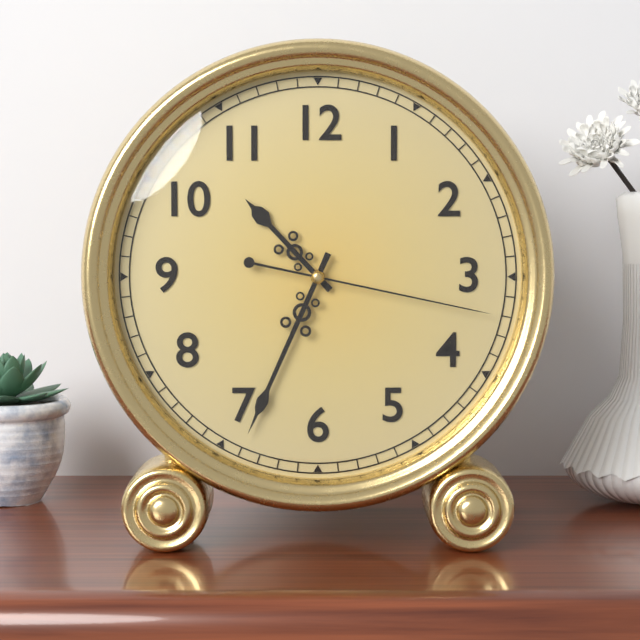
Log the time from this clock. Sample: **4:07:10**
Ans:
**10:34:17**
